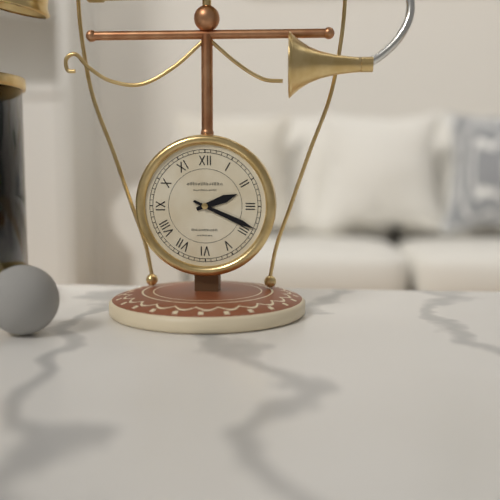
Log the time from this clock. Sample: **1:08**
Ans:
**2:19**
